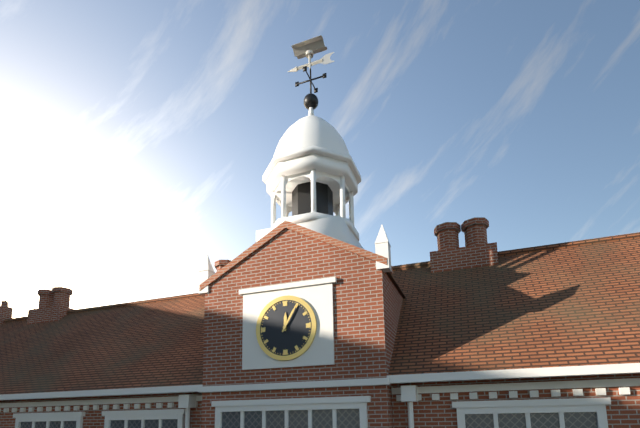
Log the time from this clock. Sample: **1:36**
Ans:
**12:05**
